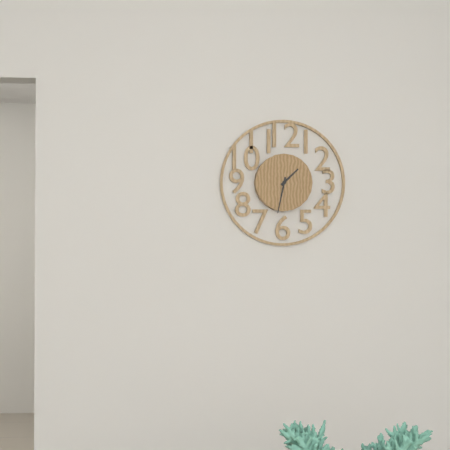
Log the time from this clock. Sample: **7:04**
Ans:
**1:32**
